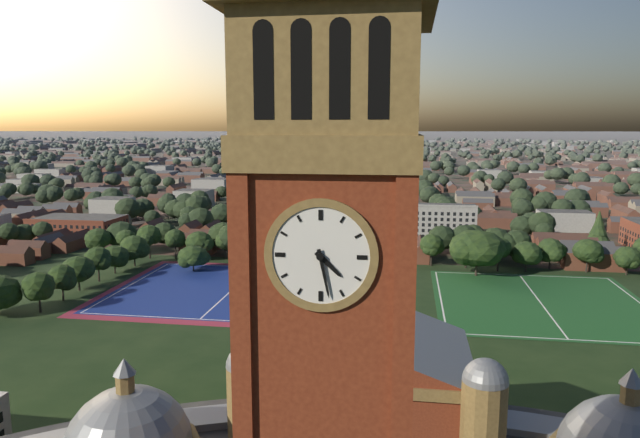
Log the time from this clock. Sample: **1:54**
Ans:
**4:28**
